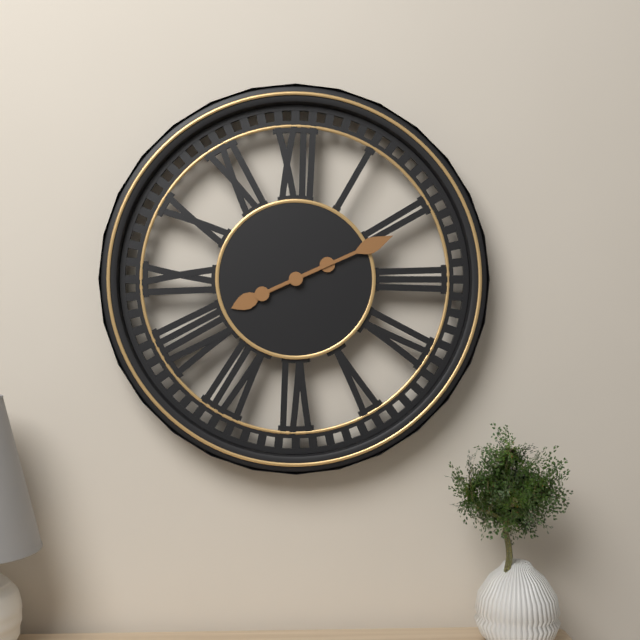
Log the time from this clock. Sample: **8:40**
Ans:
**8:11**
